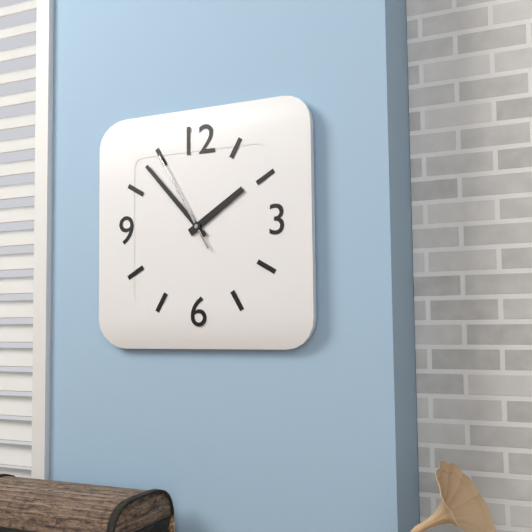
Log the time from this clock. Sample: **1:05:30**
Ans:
**1:53:55**
